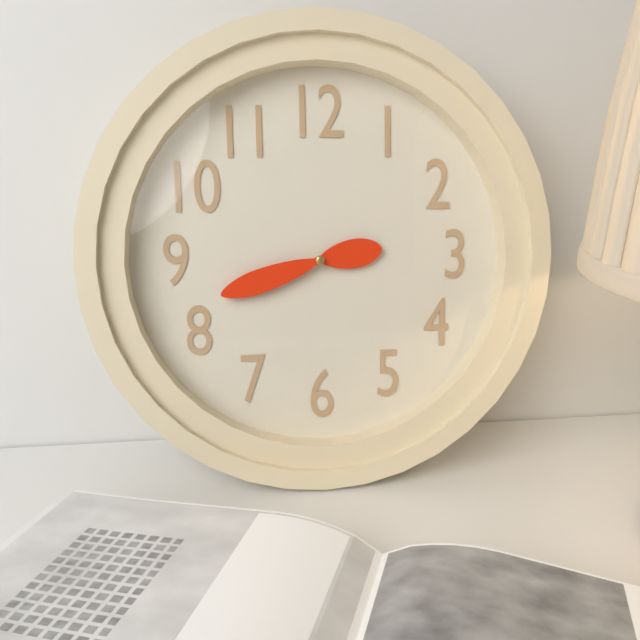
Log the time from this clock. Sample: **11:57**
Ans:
**2:42**
